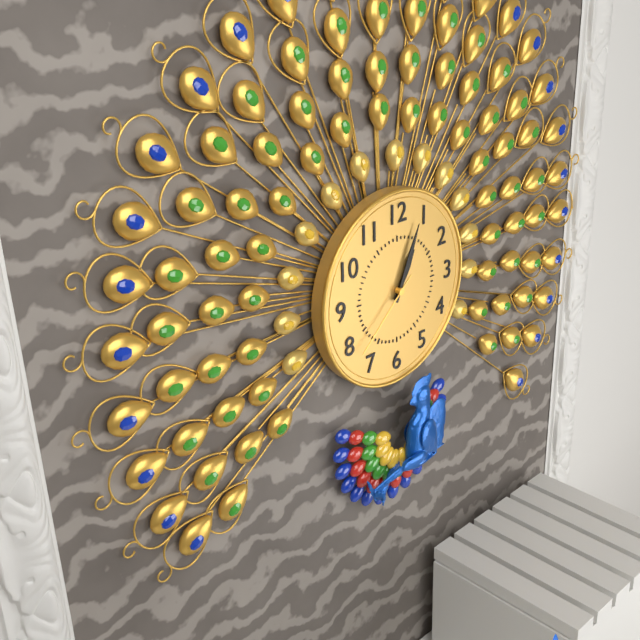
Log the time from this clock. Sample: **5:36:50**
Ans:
**1:04:38**
